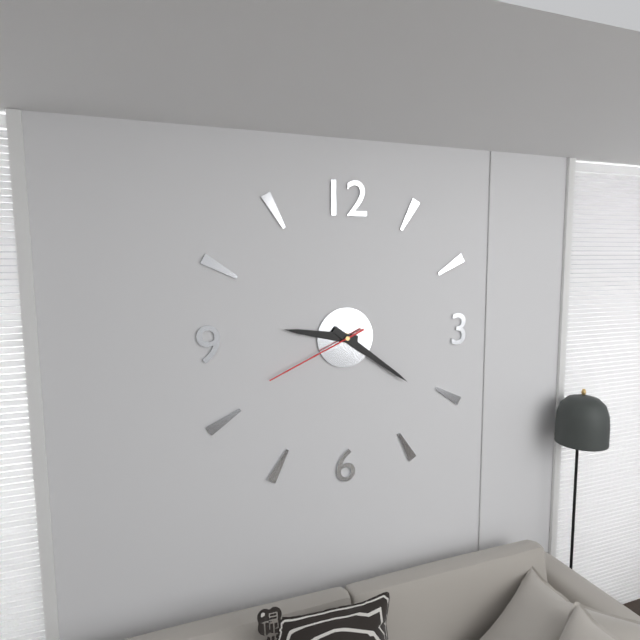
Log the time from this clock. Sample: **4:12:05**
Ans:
**9:21:41**
